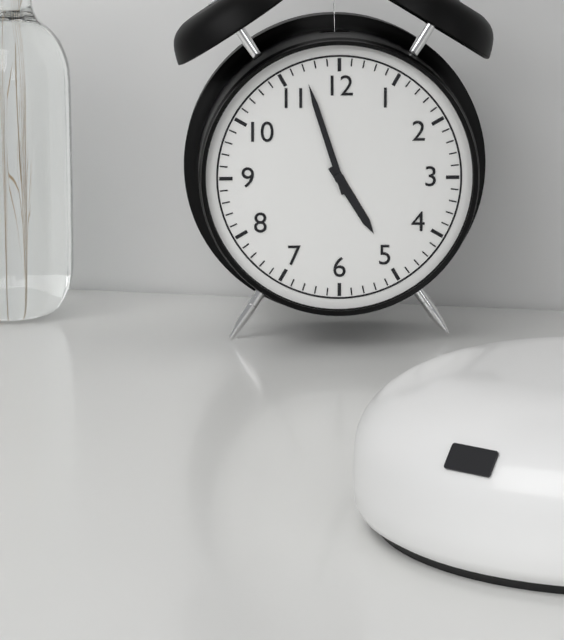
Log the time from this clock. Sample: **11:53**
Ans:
**4:57**
